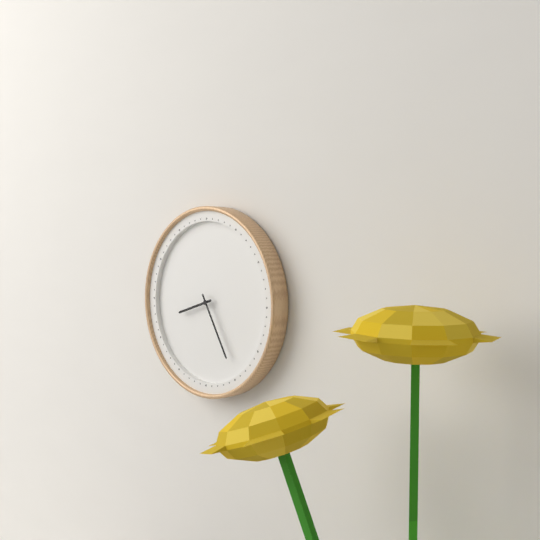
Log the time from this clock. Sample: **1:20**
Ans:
**8:25**
